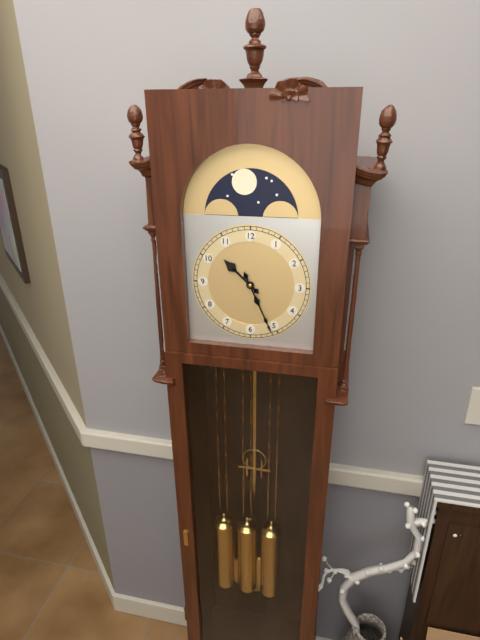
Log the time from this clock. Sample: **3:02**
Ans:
**10:26**
